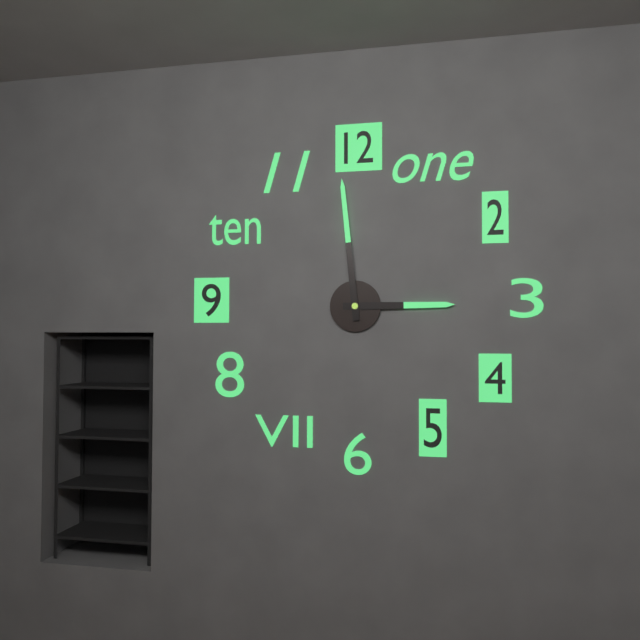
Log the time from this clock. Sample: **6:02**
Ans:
**2:59**
